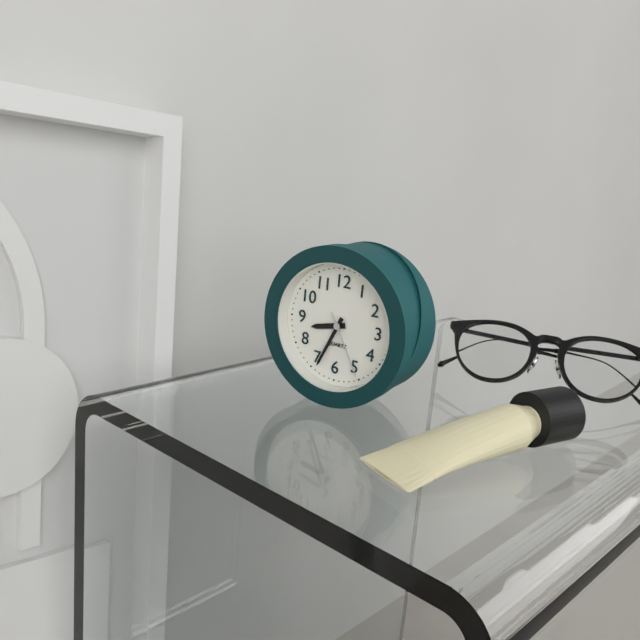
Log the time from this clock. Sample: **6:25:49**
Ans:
**8:34:25**
